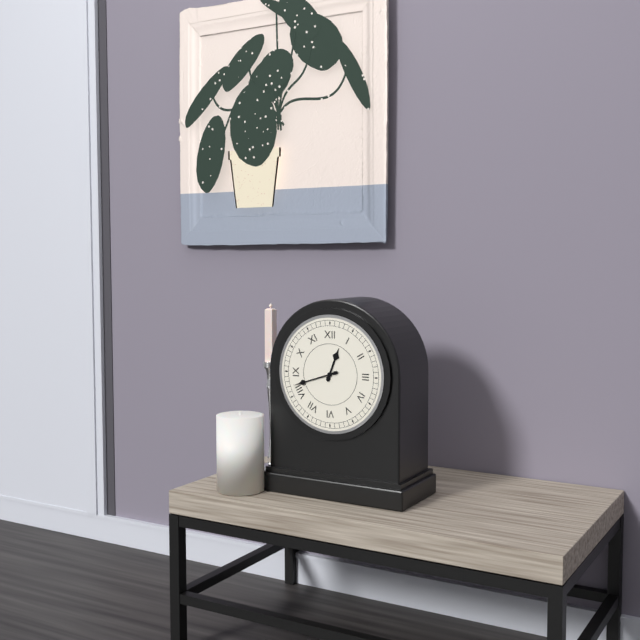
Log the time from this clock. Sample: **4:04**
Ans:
**12:42**
